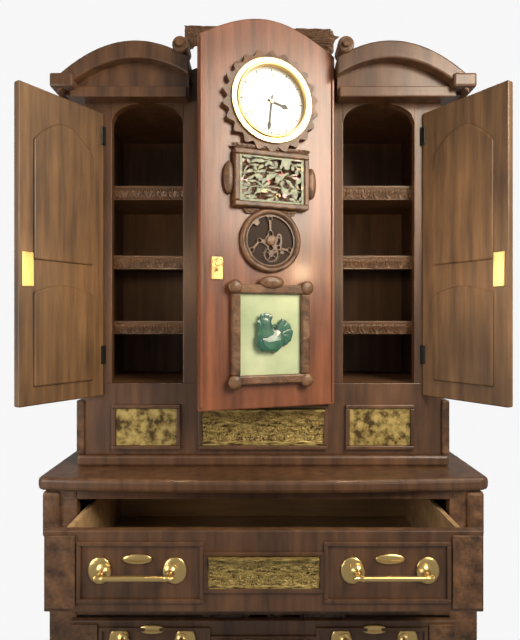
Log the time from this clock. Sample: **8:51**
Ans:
**3:31**
